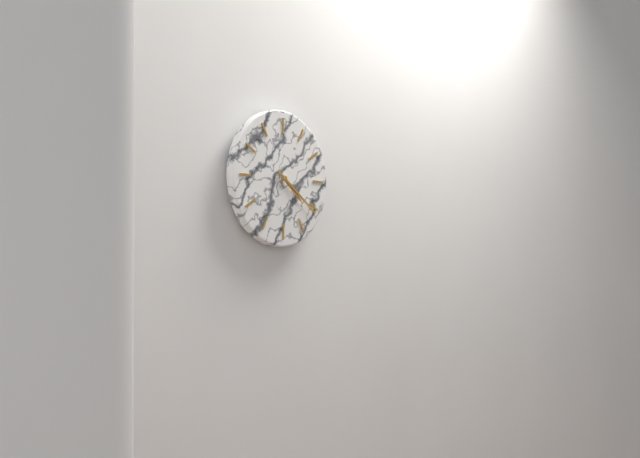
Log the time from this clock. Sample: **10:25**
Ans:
**4:21**
